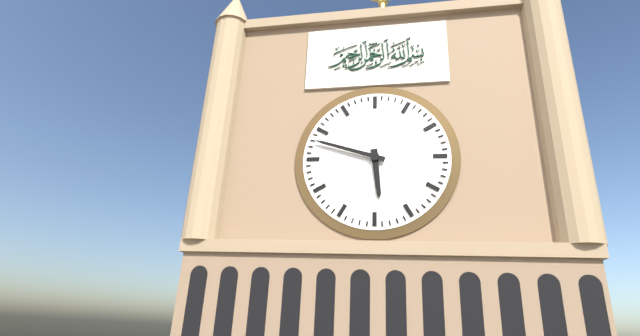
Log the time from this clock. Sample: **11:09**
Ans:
**5:48**
